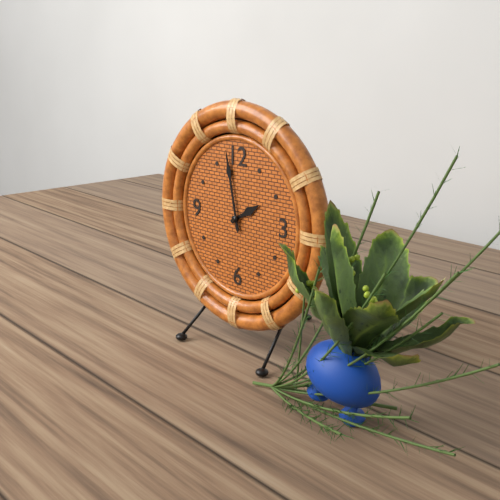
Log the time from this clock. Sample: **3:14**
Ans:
**1:58**
